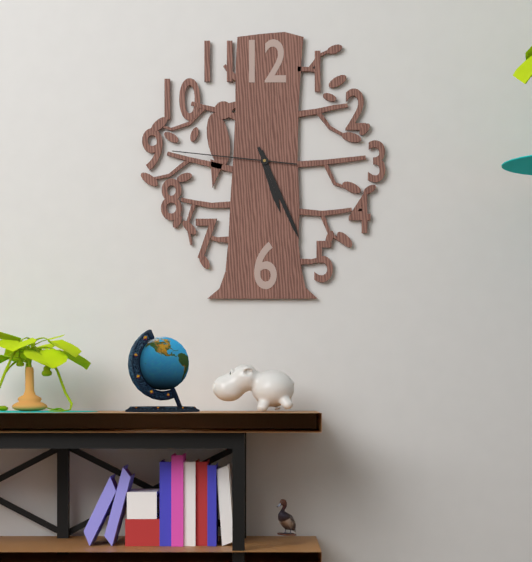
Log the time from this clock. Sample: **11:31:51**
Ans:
**5:26:46**
